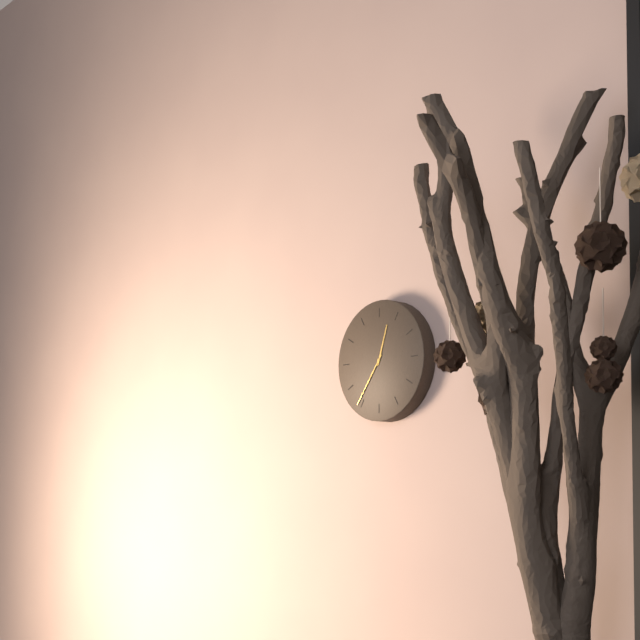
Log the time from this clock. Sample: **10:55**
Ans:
**12:36**
